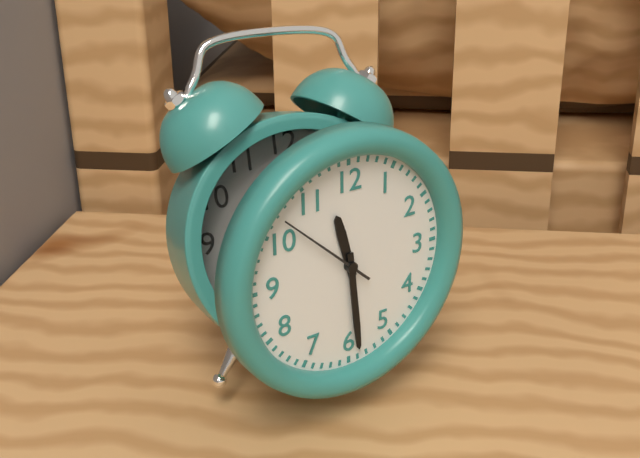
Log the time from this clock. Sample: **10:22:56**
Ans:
**11:29:52**
